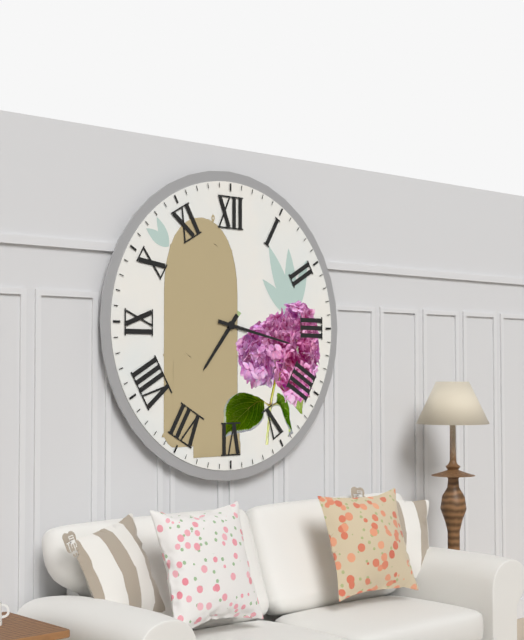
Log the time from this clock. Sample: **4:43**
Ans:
**7:17**
